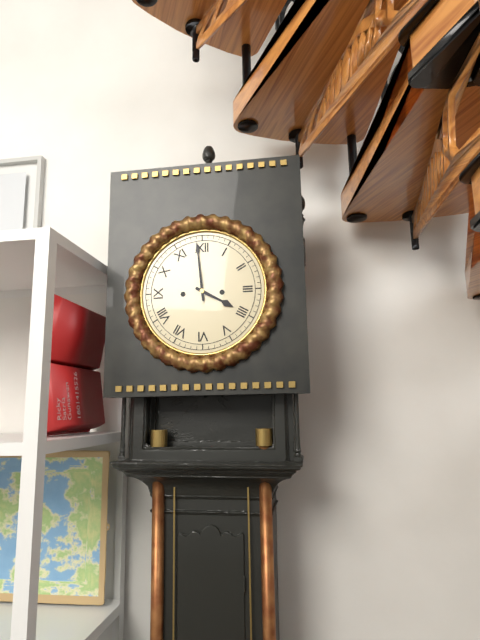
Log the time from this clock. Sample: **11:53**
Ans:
**3:59**
